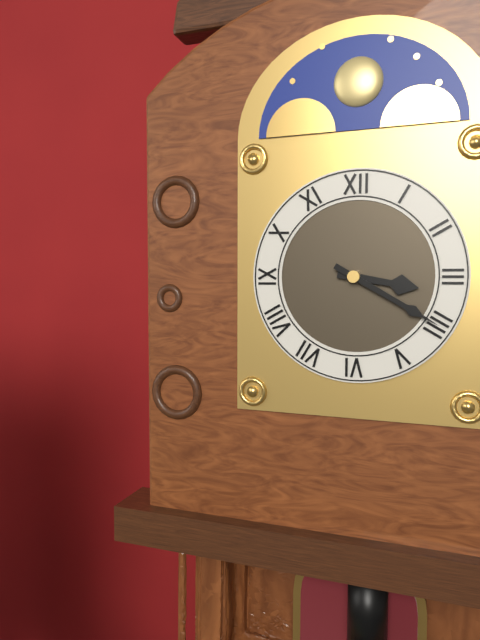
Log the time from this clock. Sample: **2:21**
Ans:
**3:20**
